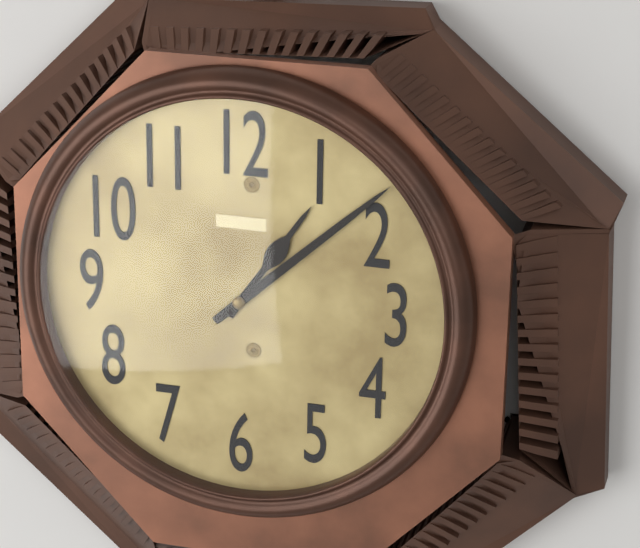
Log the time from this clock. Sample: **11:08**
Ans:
**1:08**
